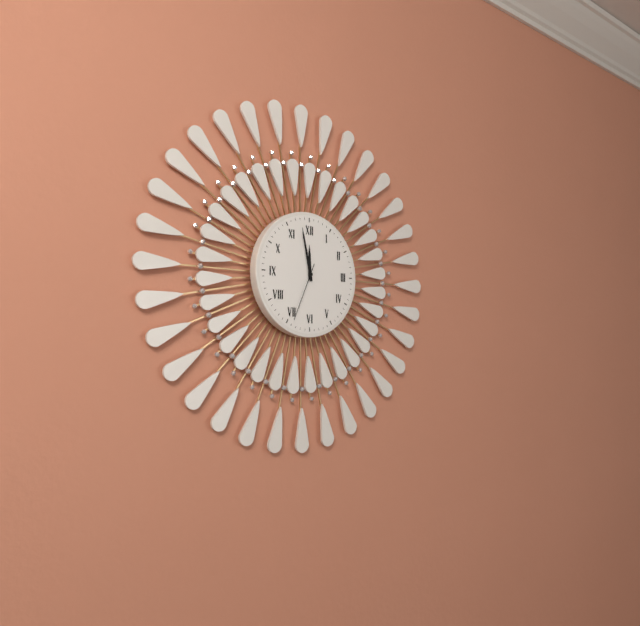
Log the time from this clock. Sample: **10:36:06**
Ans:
**11:58:34**
